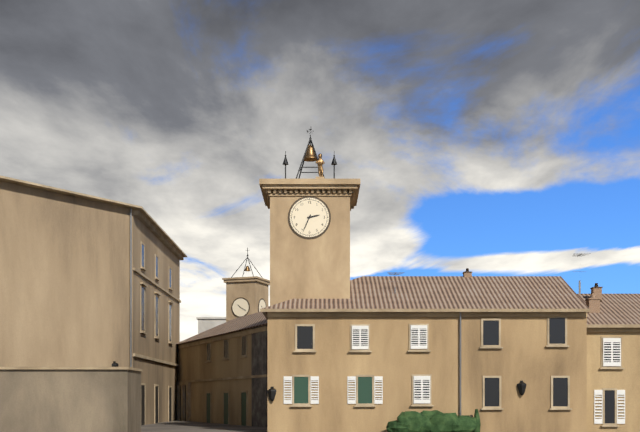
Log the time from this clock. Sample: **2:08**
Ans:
**2:34**
